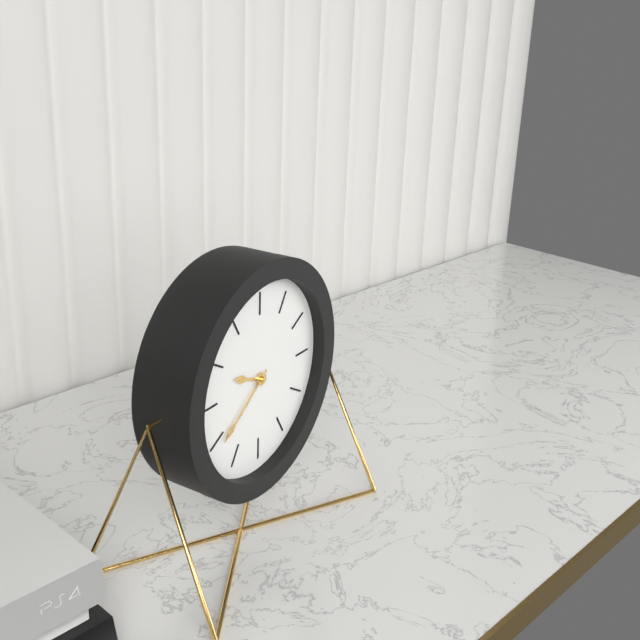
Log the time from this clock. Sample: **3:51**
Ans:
**9:39**
